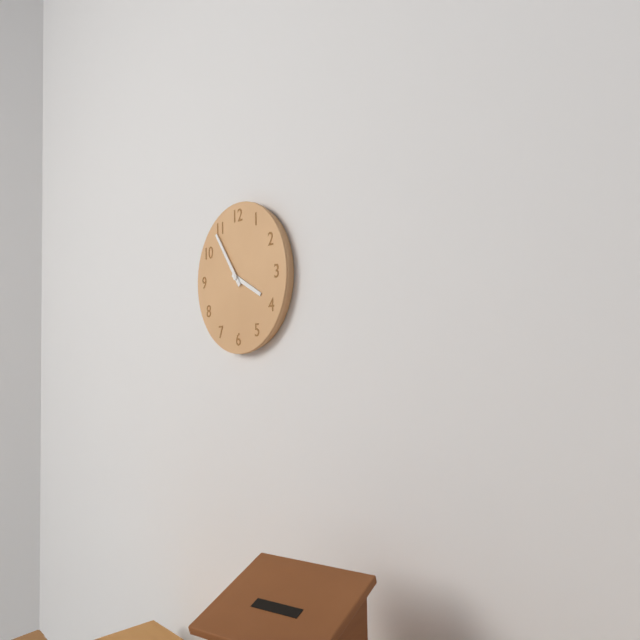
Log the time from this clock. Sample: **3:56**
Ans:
**3:54**
